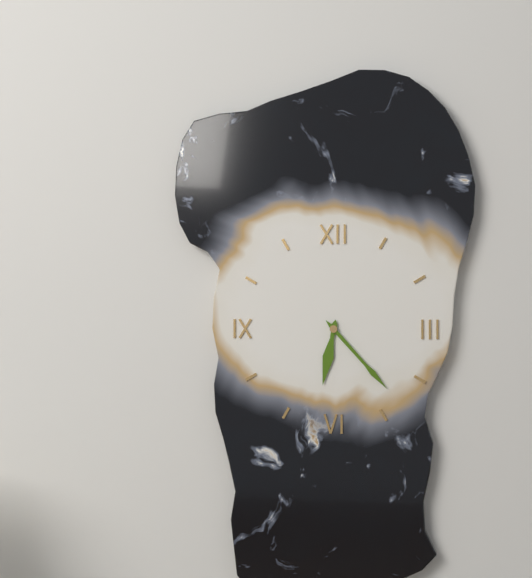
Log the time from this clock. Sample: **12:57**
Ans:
**6:23**
